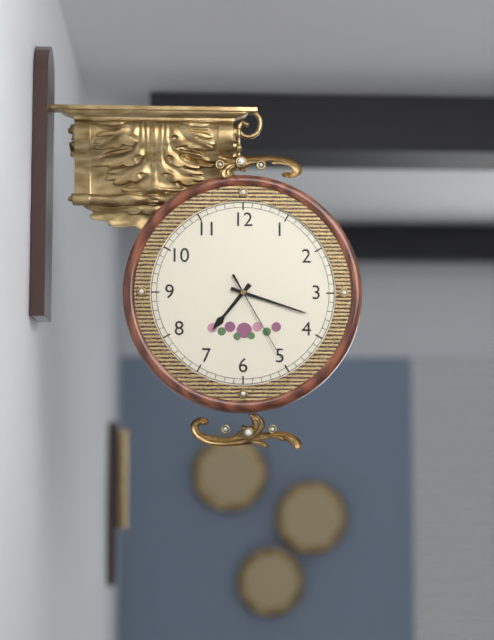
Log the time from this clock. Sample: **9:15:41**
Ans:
**7:18:25**
